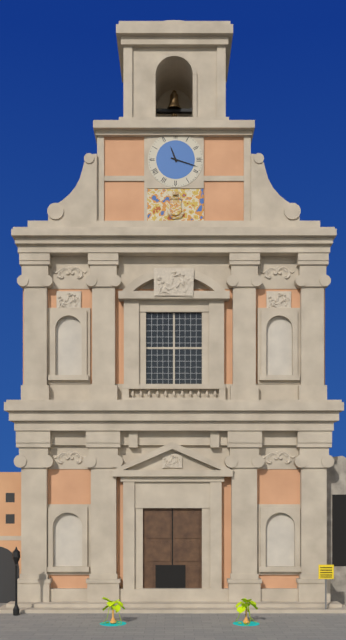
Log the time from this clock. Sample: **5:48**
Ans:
**11:18**
